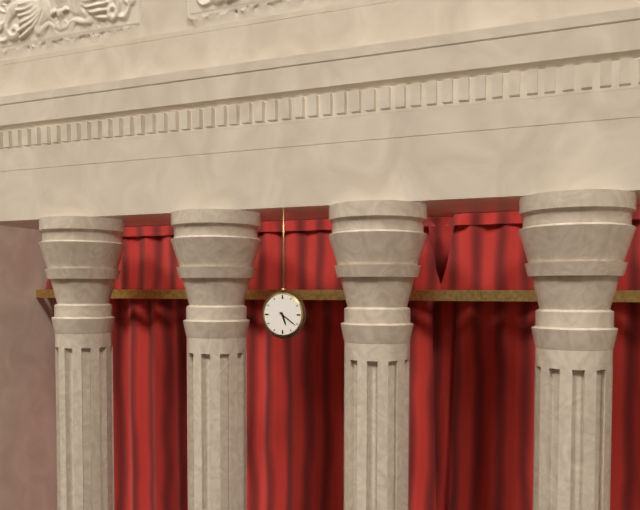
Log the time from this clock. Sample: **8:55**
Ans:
**5:21**
